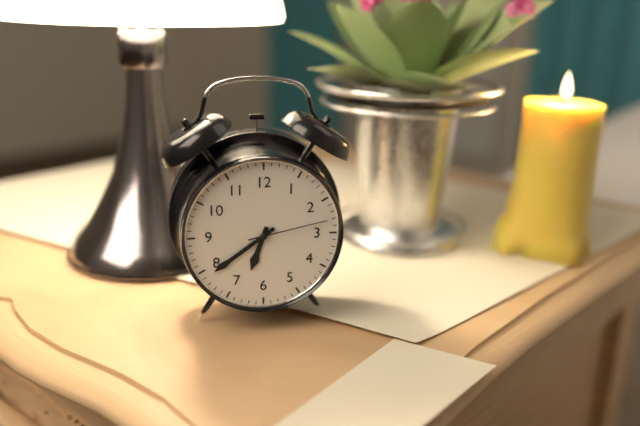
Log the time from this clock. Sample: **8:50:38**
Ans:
**6:39:13**
